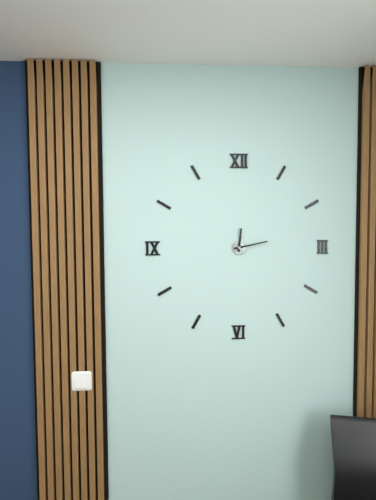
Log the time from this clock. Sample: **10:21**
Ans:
**12:13**
